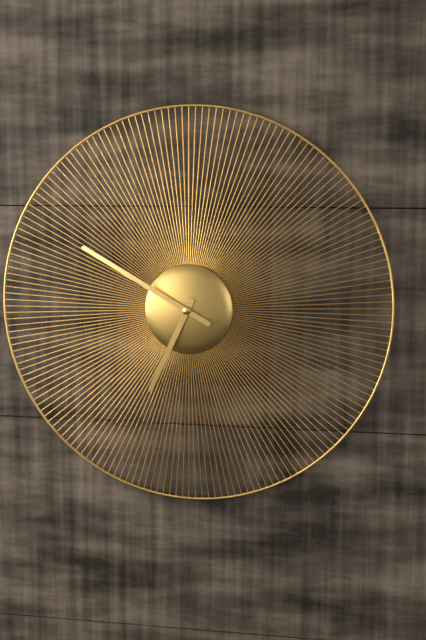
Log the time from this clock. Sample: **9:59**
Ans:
**6:50**
